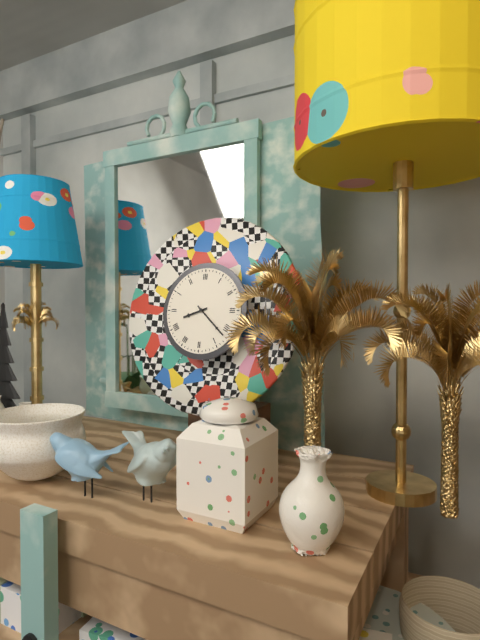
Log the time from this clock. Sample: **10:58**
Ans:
**8:22**
